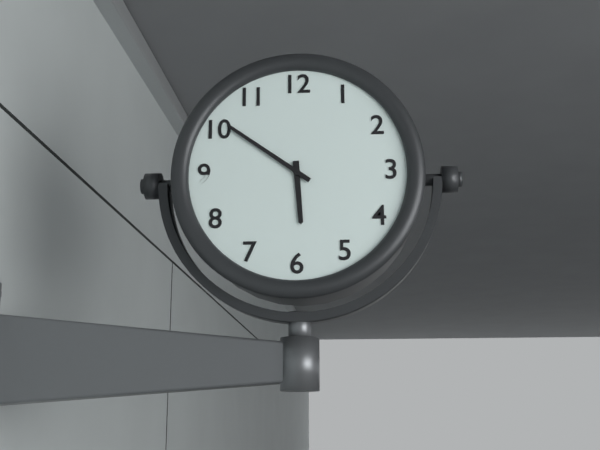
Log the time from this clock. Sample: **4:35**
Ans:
**5:51**
